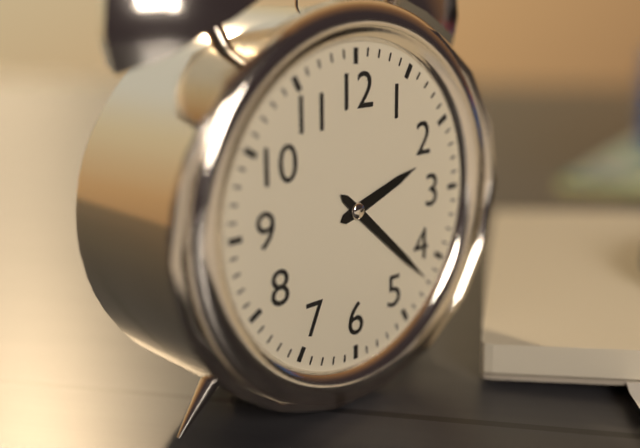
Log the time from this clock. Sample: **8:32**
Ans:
**2:22**
